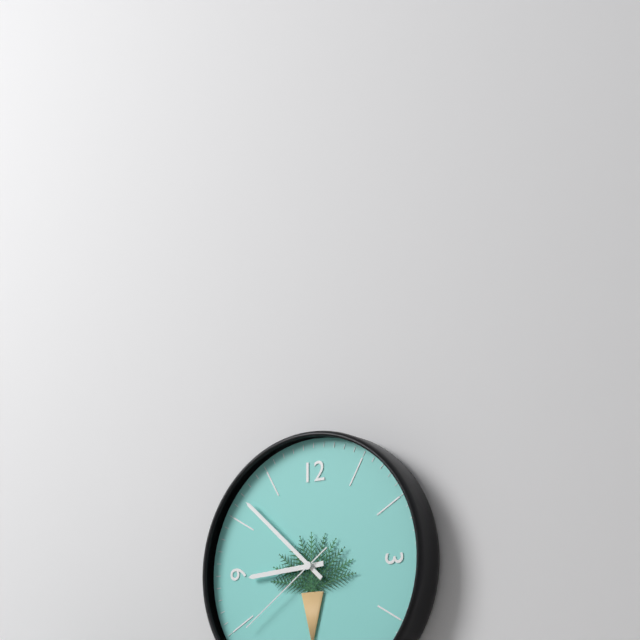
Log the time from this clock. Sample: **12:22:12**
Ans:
**8:52:39**
